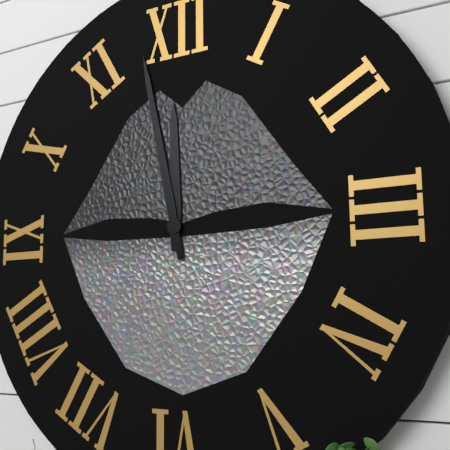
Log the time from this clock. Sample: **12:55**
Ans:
**11:58**
